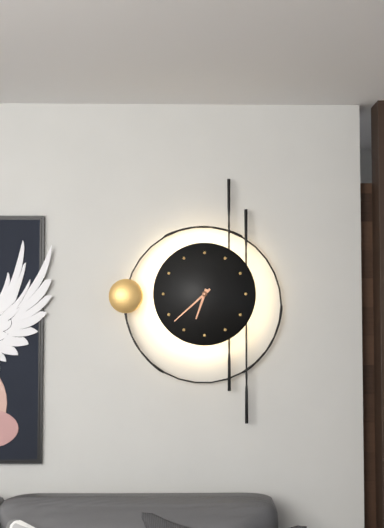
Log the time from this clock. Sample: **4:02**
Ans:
**6:38**
